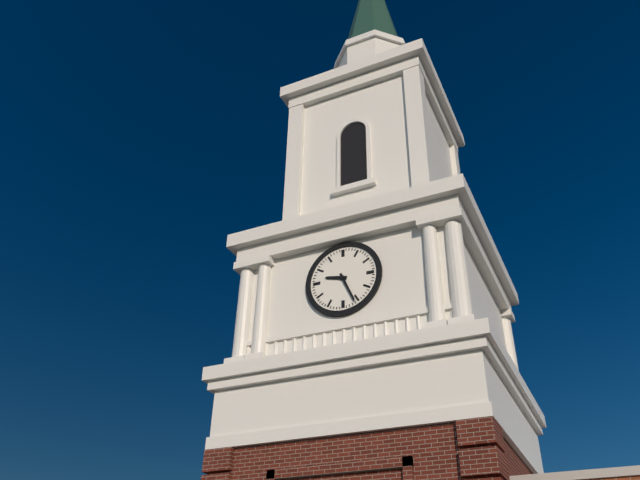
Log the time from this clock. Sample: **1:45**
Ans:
**9:26**
